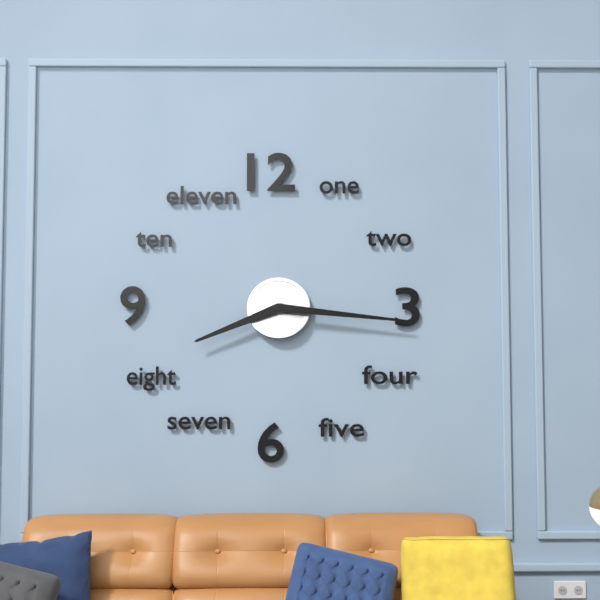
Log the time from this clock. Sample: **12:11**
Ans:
**8:16**
